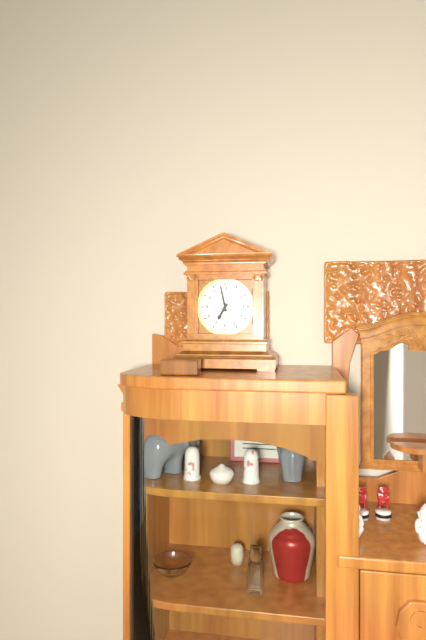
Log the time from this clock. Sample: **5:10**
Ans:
**6:58**
